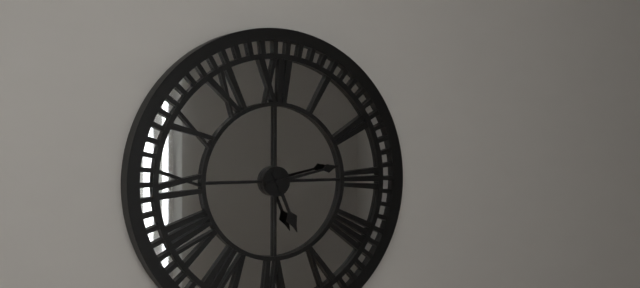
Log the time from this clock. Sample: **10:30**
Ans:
**5:13**
